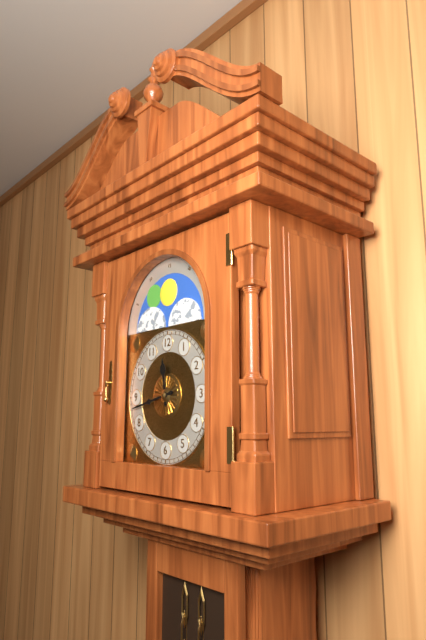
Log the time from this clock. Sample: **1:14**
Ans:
**11:43**
